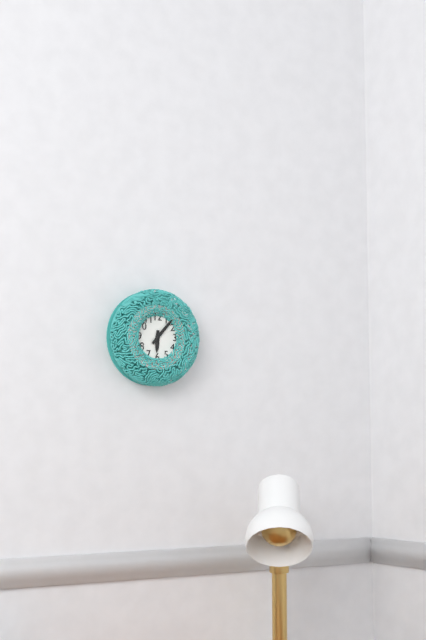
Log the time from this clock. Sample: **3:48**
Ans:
**6:07**
